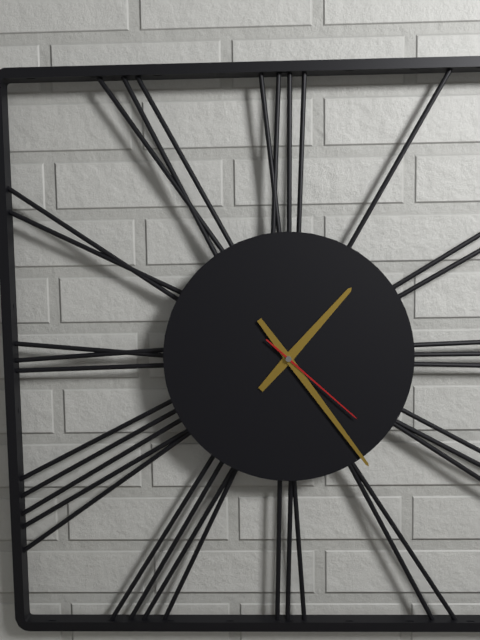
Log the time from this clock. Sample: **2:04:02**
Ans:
**1:24:22**
